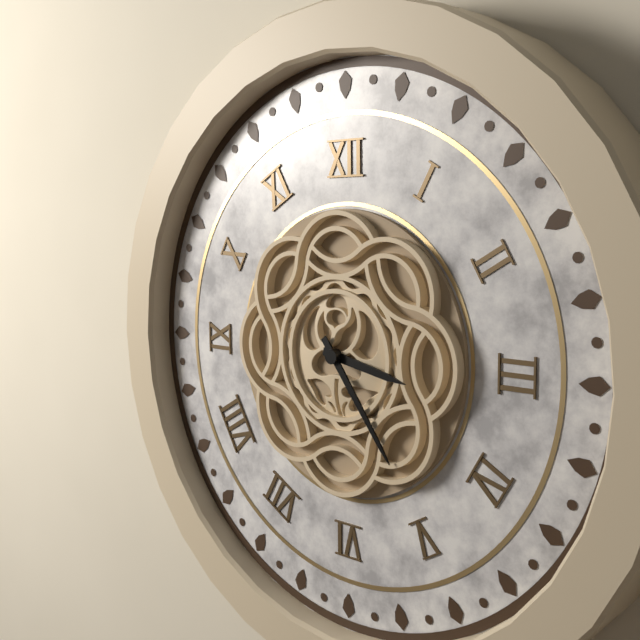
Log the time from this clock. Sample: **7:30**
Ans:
**3:24**
